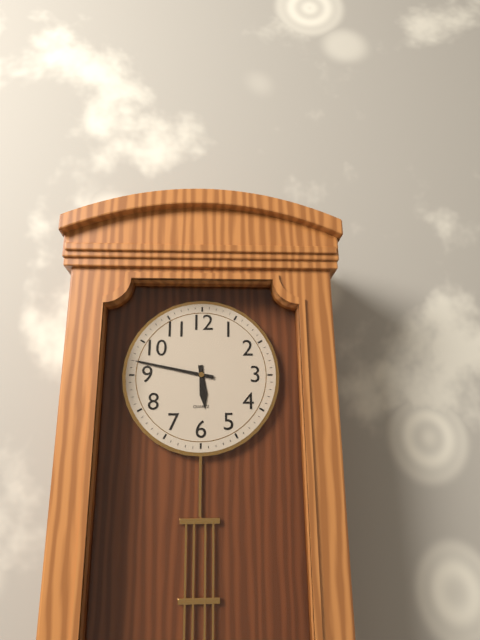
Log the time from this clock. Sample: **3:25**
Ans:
**5:47**
